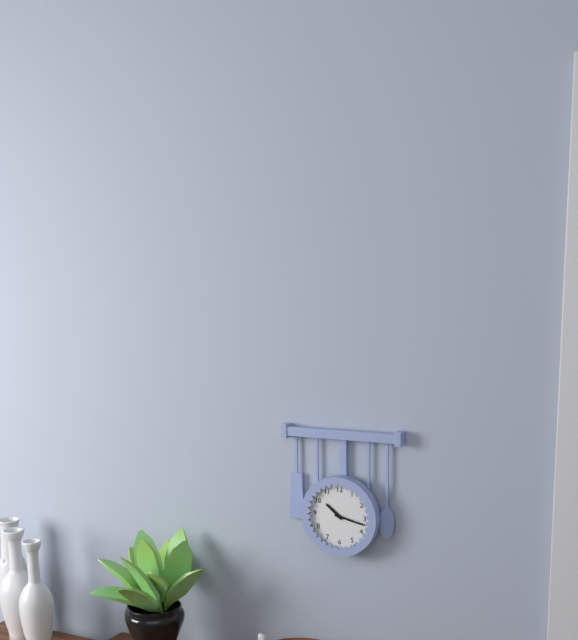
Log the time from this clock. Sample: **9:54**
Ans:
**10:17**
